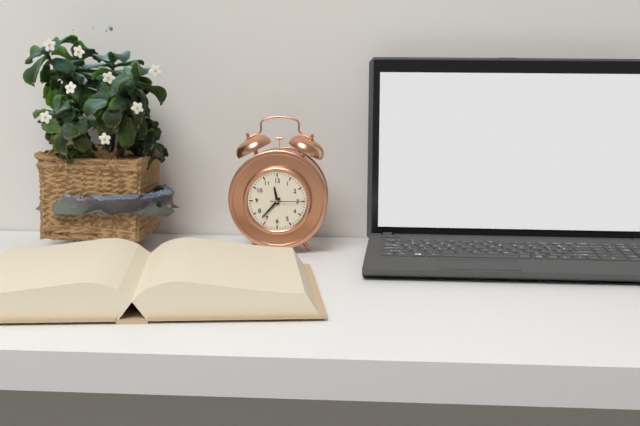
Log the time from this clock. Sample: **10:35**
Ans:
**11:37**
